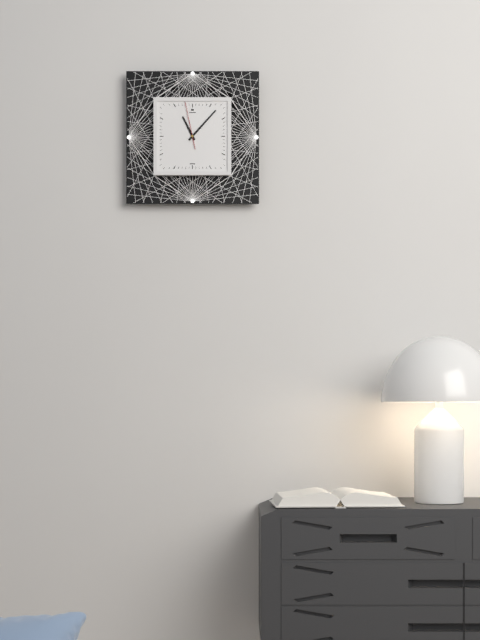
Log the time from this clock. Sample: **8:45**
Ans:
**11:07**
